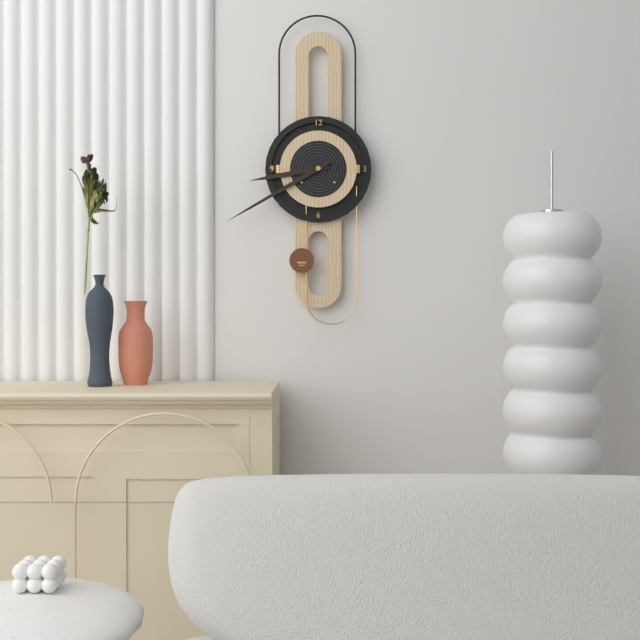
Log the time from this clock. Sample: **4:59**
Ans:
**8:40**
